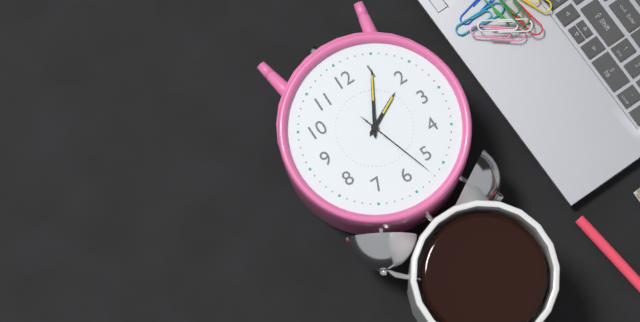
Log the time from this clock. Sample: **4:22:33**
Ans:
**2:05:27**
